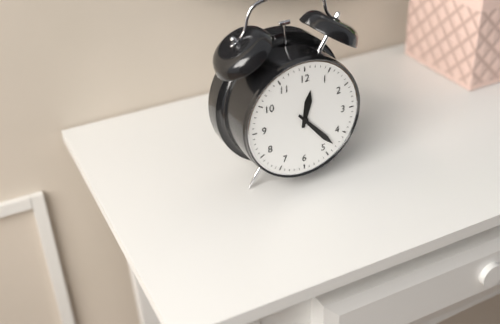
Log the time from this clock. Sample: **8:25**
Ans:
**12:23**
